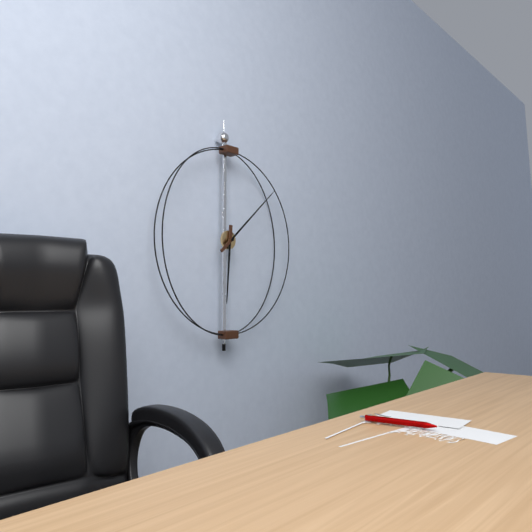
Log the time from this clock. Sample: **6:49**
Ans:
**6:08**
